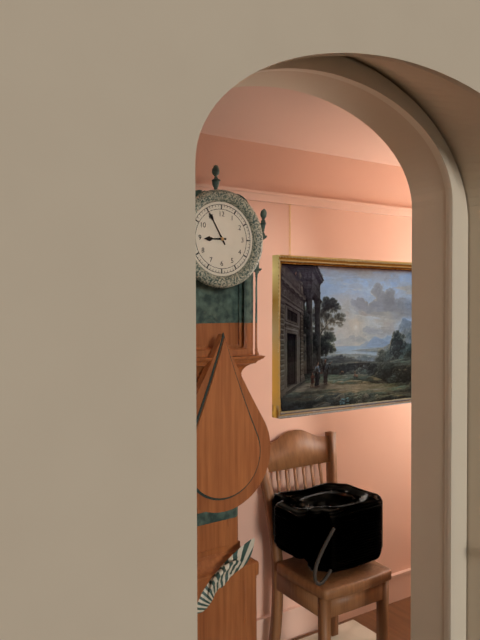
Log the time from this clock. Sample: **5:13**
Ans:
**8:55**
